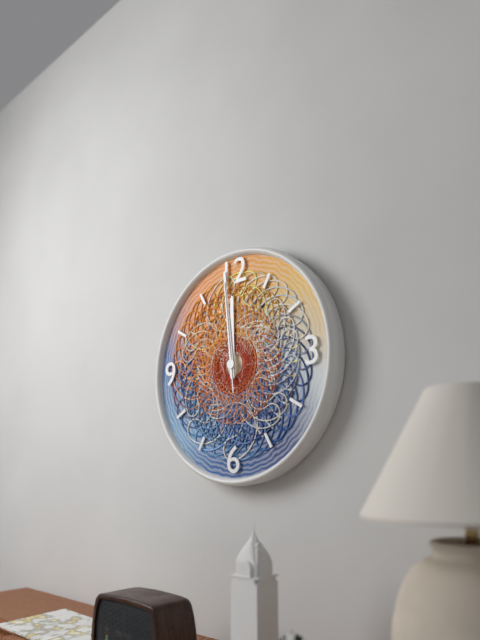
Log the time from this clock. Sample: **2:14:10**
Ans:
**11:59:59**
